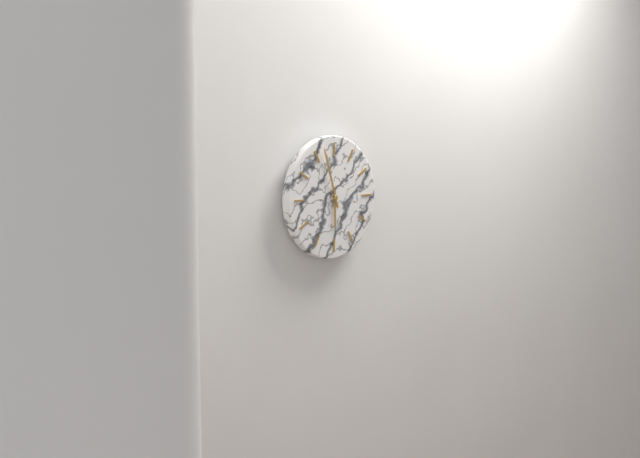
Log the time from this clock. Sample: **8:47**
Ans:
**5:57**
